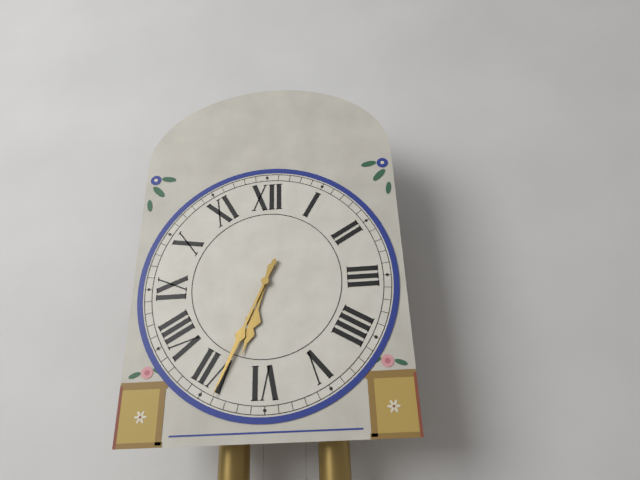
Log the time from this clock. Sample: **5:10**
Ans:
**6:34**
